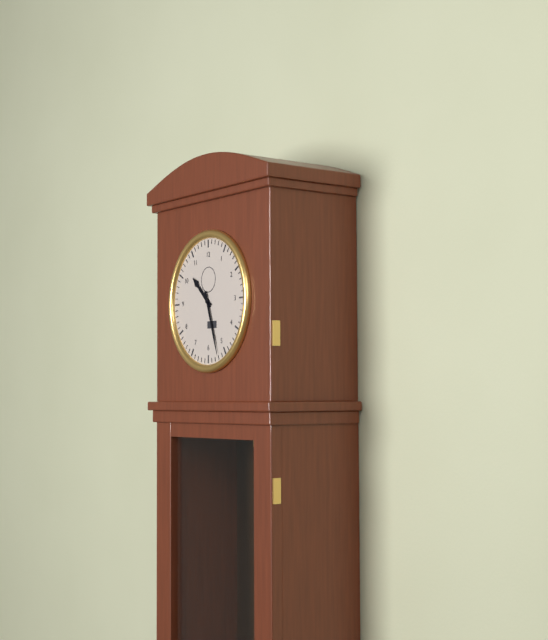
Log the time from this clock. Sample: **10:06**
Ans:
**10:27**
